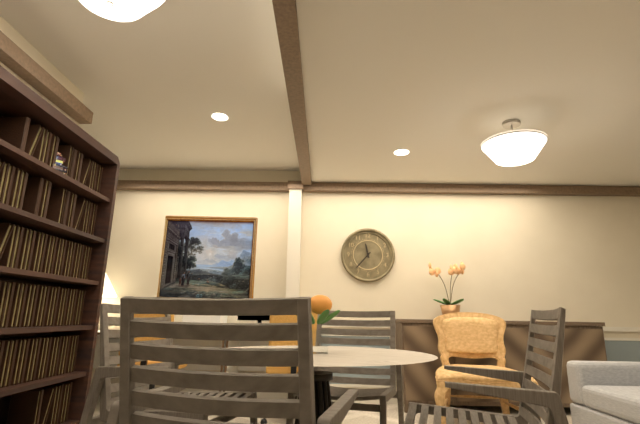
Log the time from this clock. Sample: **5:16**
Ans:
**11:37**
